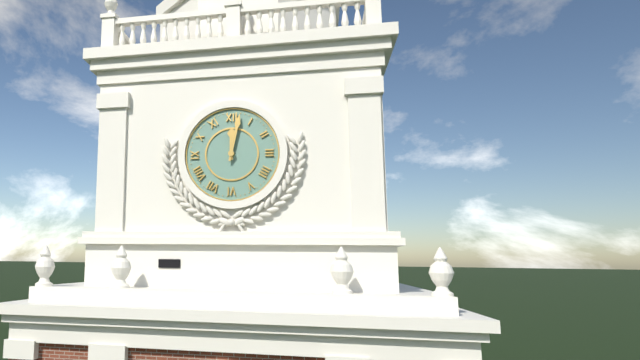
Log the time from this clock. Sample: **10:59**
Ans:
**12:02**
